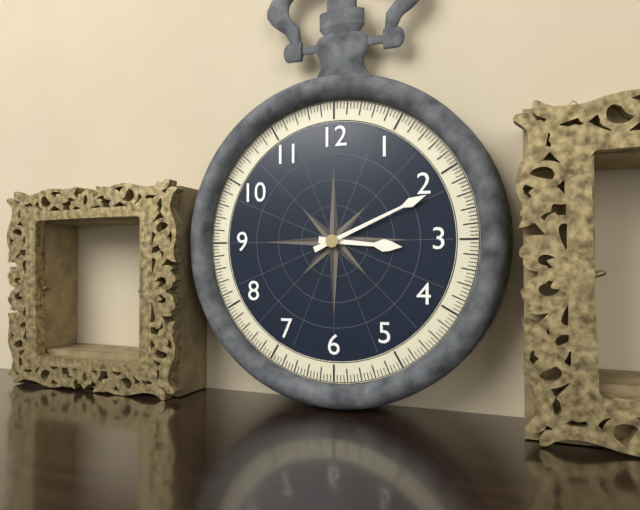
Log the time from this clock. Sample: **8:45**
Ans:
**3:11**
